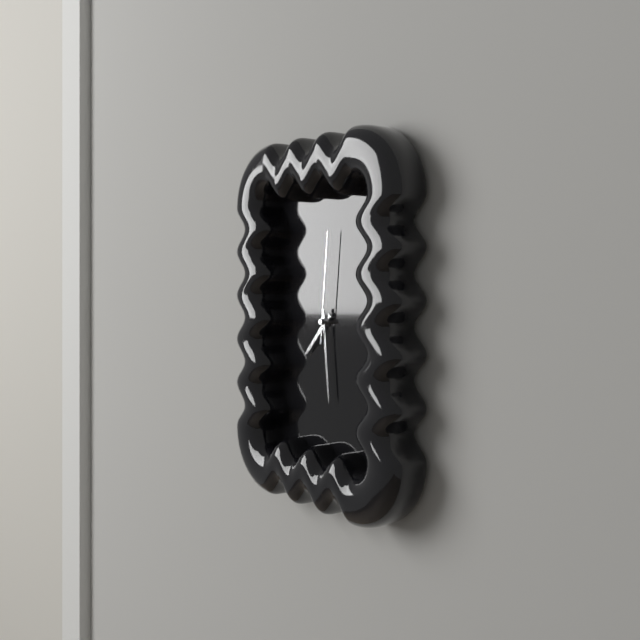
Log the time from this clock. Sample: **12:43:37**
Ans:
**7:29:01**
